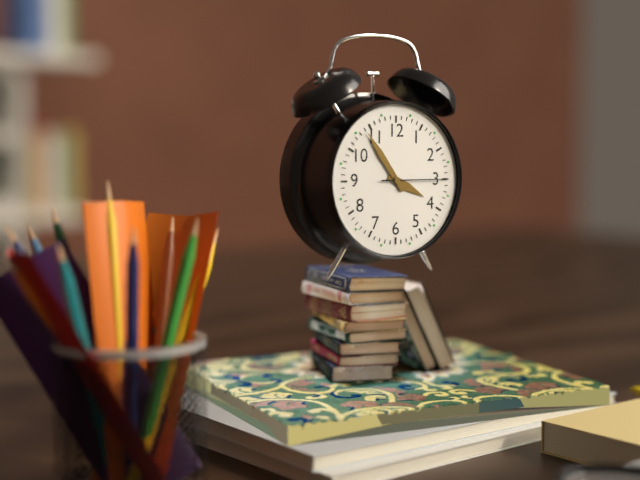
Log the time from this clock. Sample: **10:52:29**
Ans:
**3:54:15**
